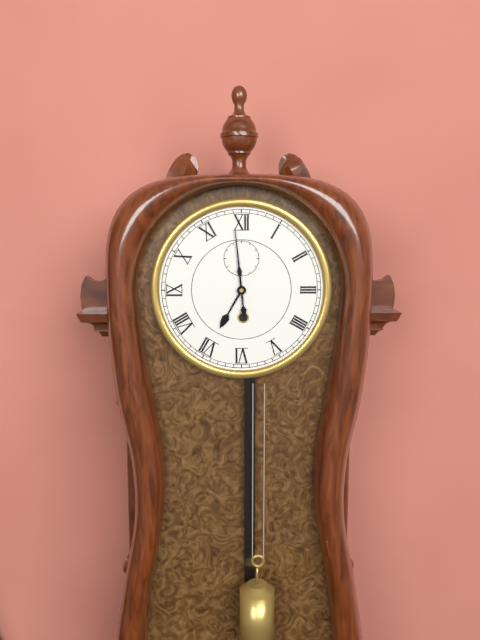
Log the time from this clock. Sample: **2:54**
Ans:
**6:59**
